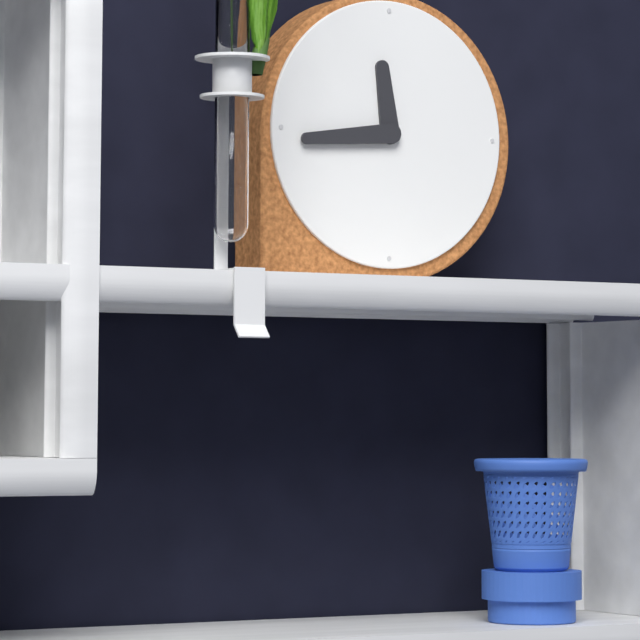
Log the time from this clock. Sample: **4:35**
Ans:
**11:44**
